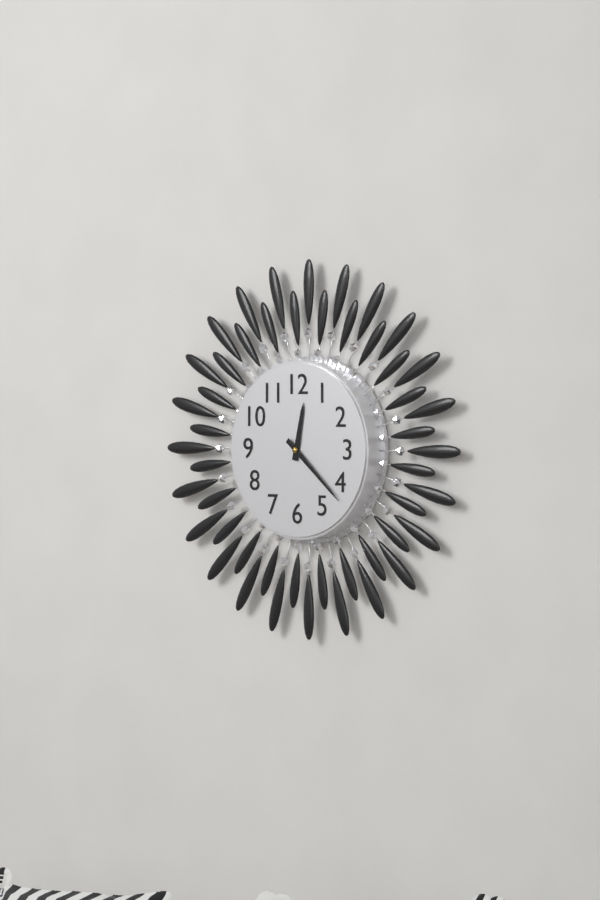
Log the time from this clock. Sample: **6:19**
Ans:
**12:22**
